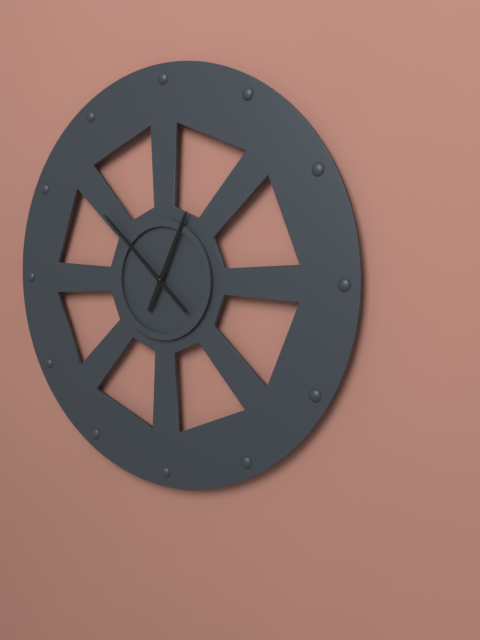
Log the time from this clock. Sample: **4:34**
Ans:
**12:52**
